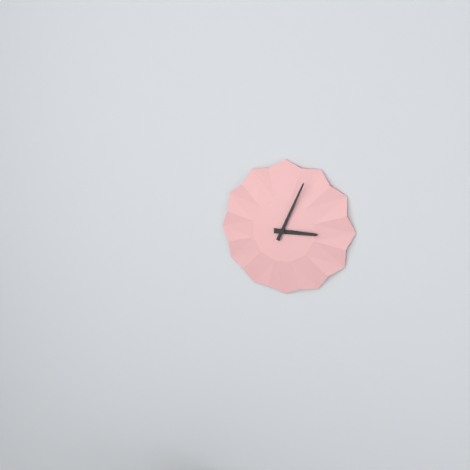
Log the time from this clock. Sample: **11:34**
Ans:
**3:04**
